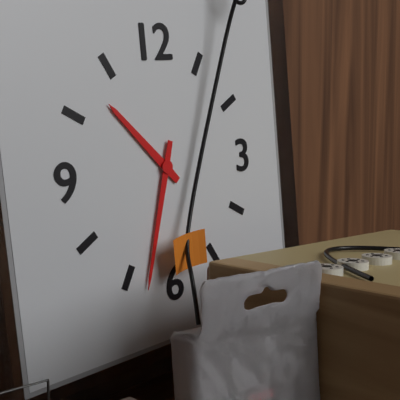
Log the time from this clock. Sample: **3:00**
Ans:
**10:33**
